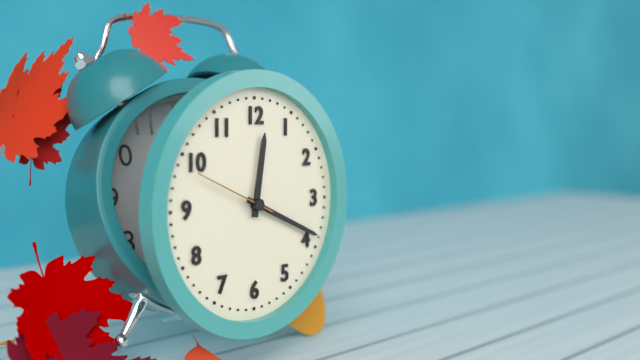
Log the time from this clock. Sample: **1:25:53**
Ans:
**12:19:49**
